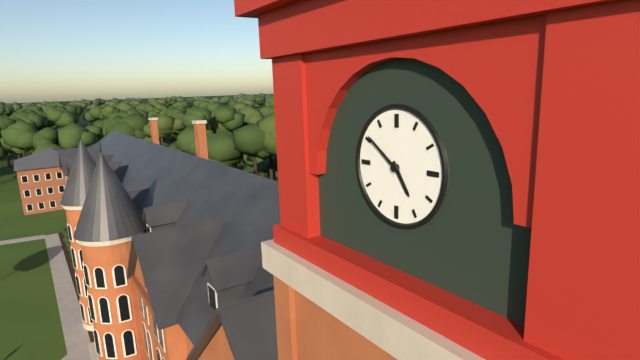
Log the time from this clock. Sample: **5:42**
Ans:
**4:51**
